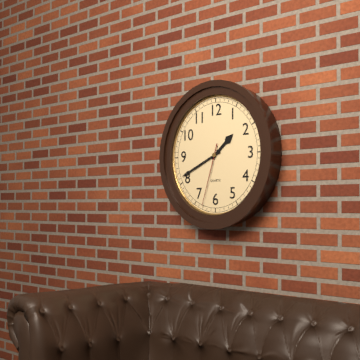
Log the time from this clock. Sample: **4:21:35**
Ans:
**1:41:33**
